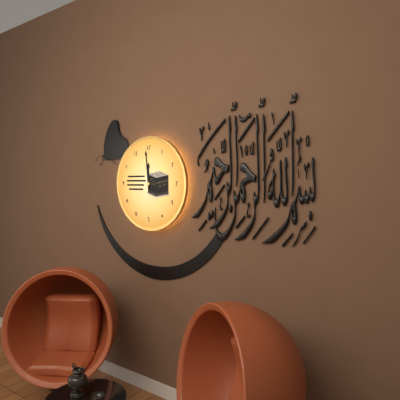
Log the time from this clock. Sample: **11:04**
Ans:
**11:59**
